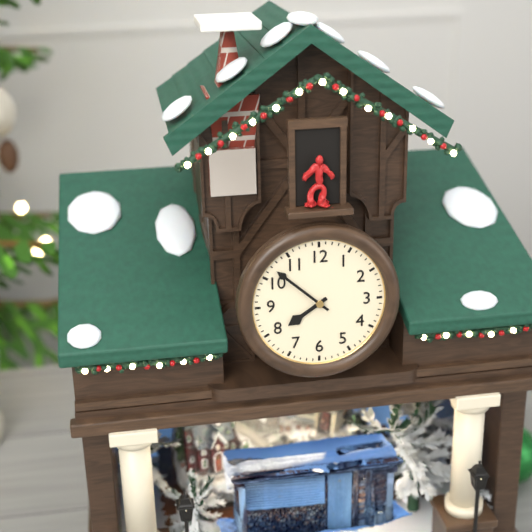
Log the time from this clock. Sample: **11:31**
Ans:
**7:52**
